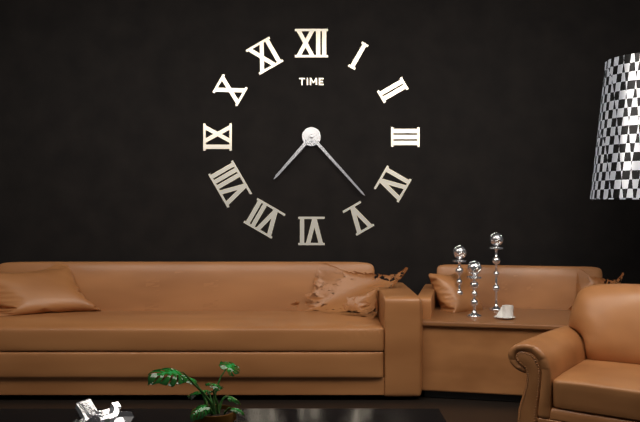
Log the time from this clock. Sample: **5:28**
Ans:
**7:23**
